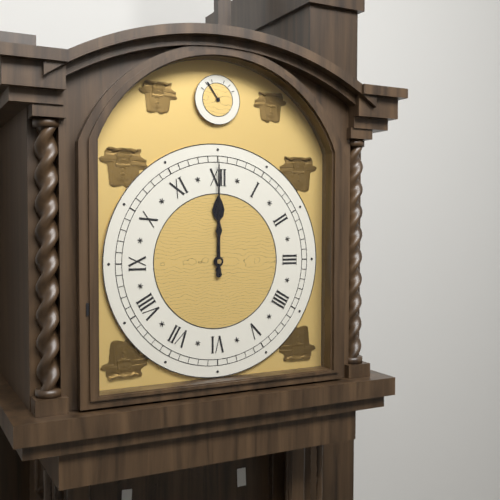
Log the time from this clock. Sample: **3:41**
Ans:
**12:00**
